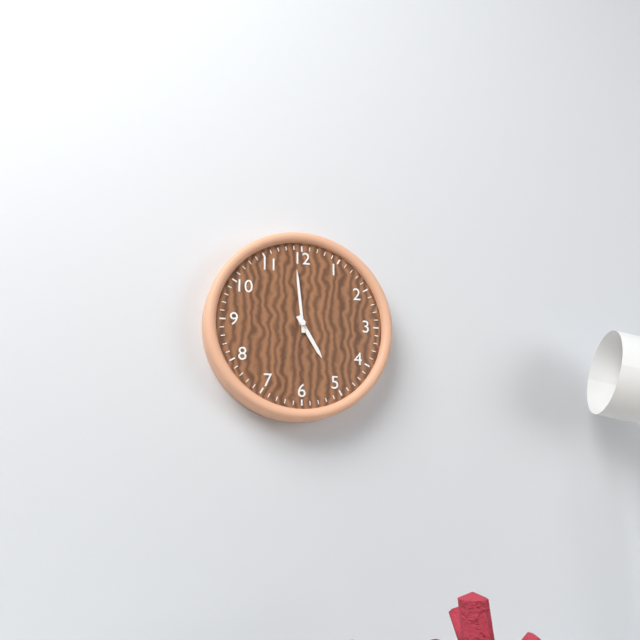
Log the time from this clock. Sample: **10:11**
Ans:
**4:59**
